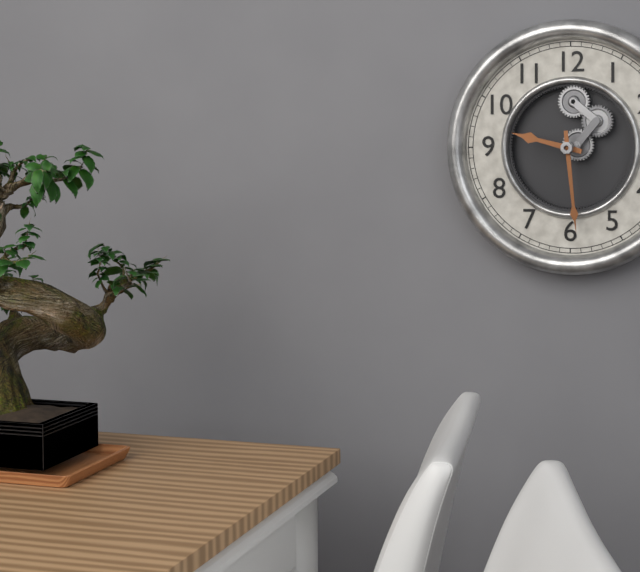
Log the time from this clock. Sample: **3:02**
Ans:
**9:29**
